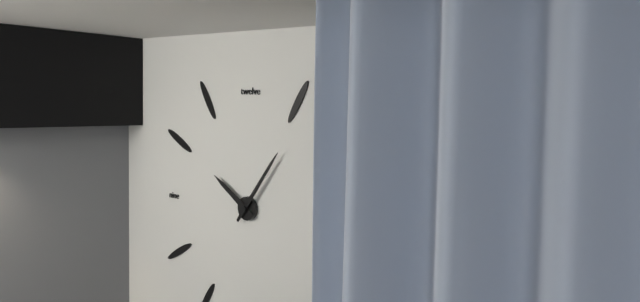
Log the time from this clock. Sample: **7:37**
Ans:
**10:06**
